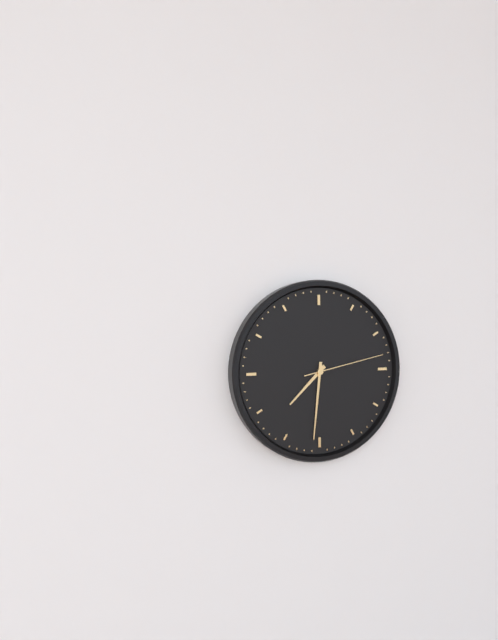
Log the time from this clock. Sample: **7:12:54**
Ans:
**7:31:13**
